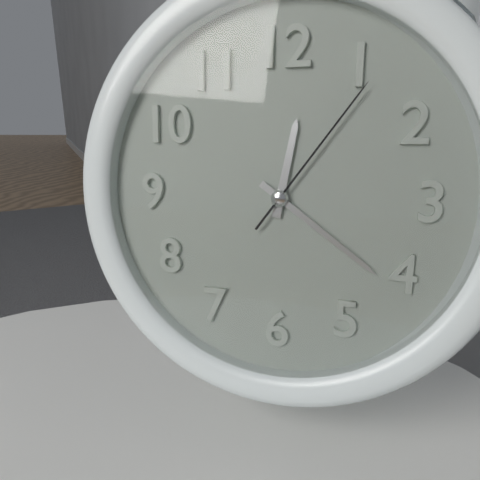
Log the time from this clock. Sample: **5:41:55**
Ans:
**12:21:06**
